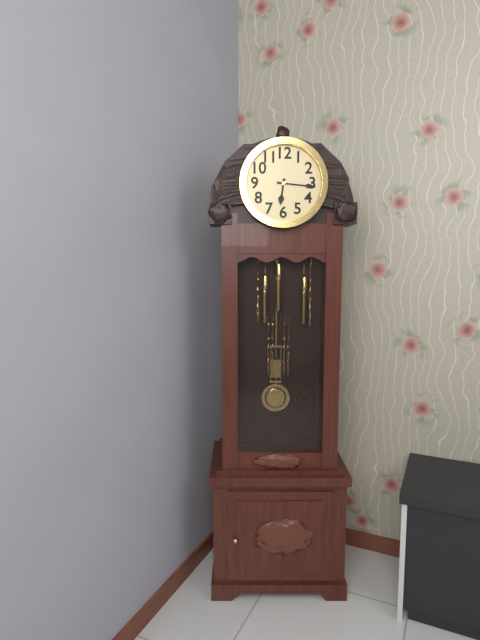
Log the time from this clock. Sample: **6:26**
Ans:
**6:16**
